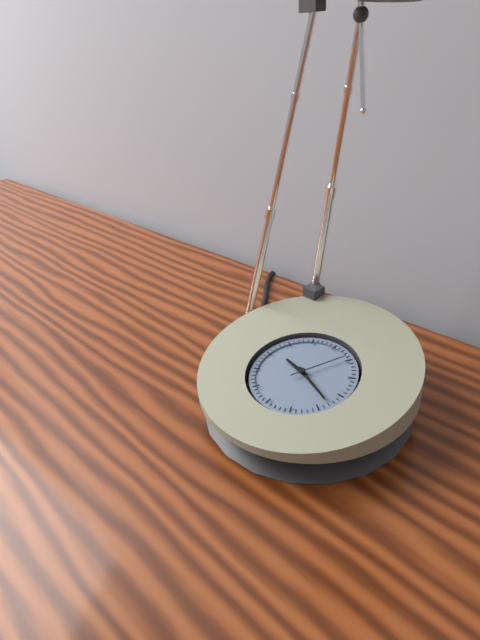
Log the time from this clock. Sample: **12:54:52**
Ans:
**9:18:04**
